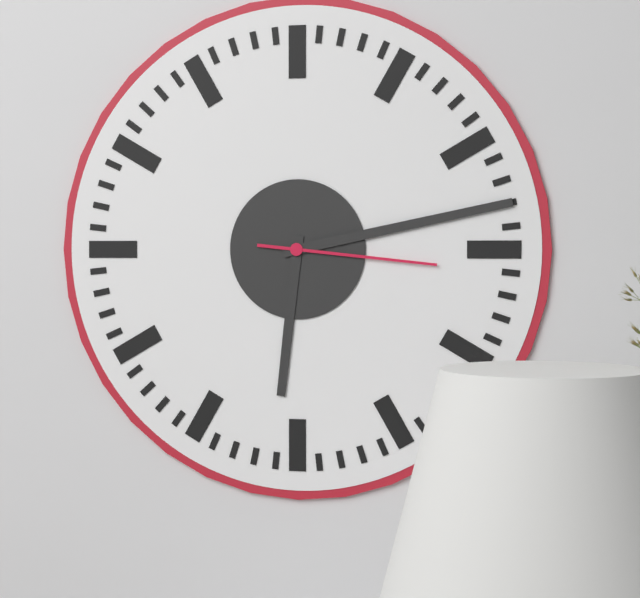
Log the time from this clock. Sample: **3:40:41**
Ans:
**6:13:16**
